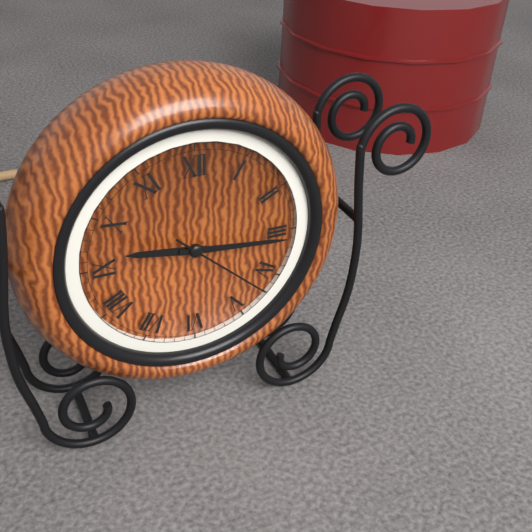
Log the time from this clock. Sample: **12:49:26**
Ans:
**9:16:22**
